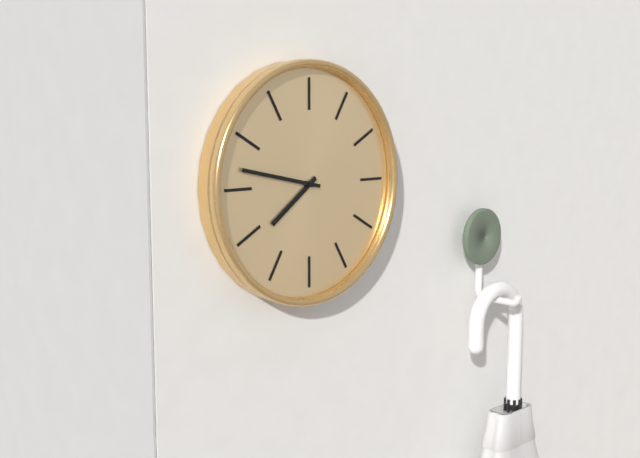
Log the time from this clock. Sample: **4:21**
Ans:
**7:47**
